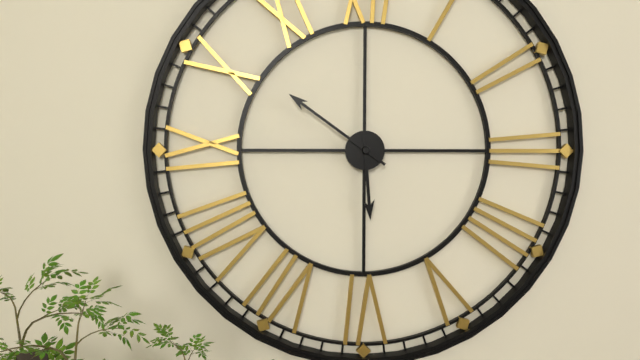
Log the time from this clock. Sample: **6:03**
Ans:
**5:51**
